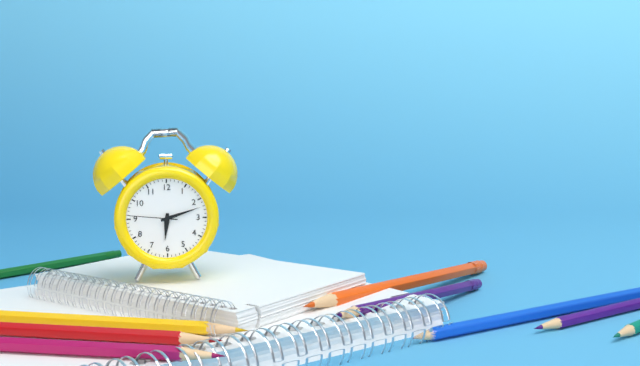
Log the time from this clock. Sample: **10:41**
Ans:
**6:12**
